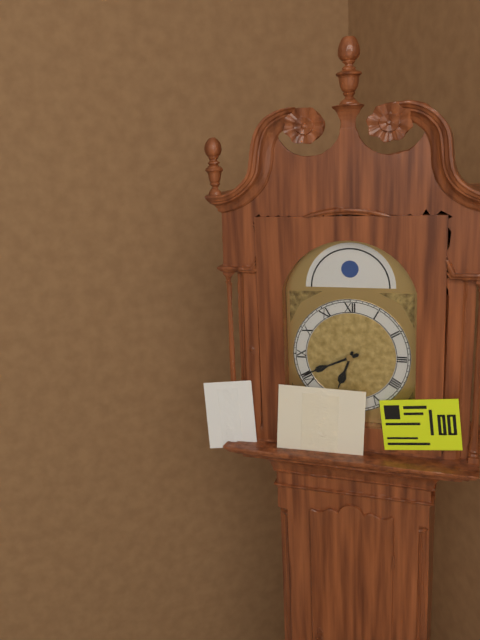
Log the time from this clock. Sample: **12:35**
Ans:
**6:41**
